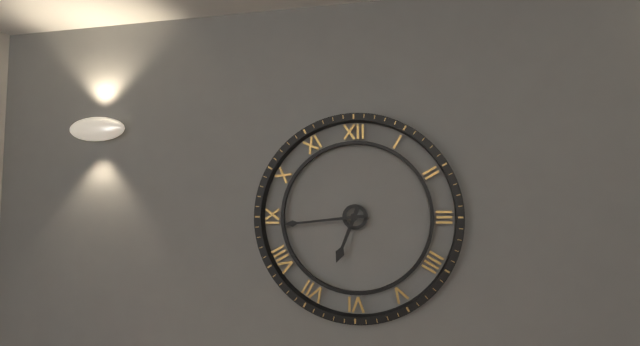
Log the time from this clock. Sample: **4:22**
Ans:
**6:44**
